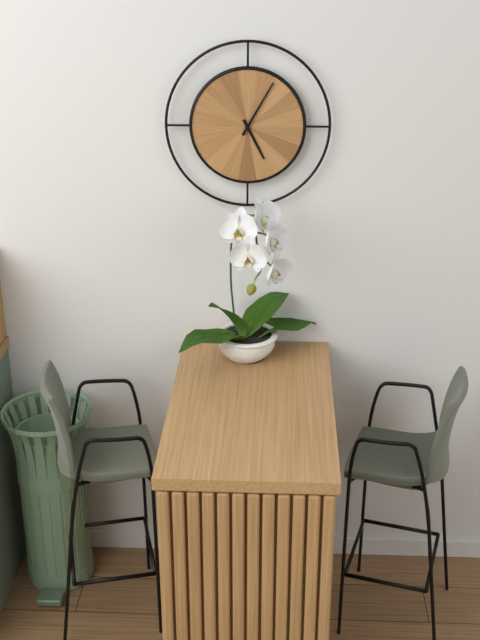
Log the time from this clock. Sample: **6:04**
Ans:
**5:05**
